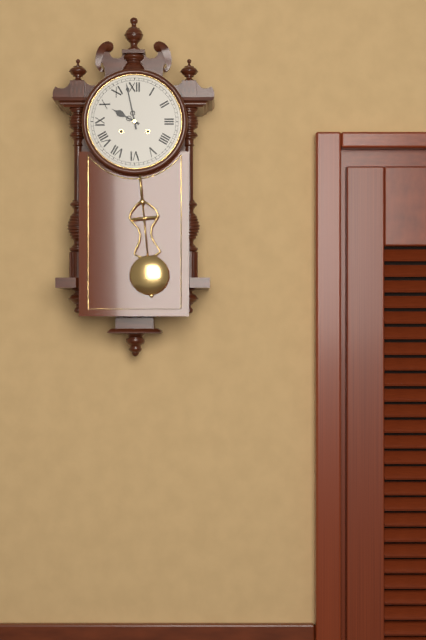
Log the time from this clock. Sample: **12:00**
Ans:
**9:58**
